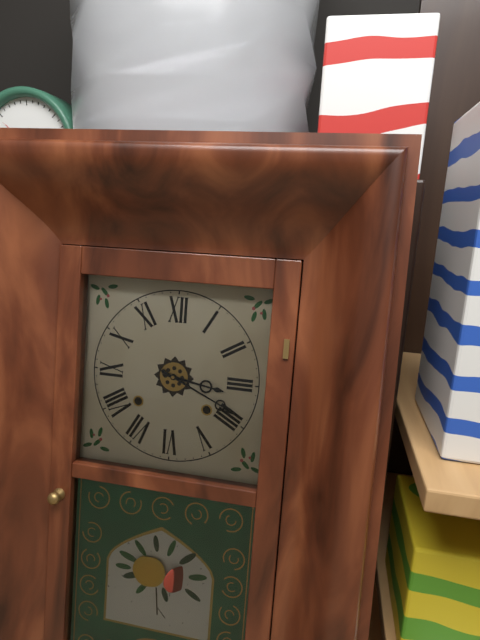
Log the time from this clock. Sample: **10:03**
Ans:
**3:19**
